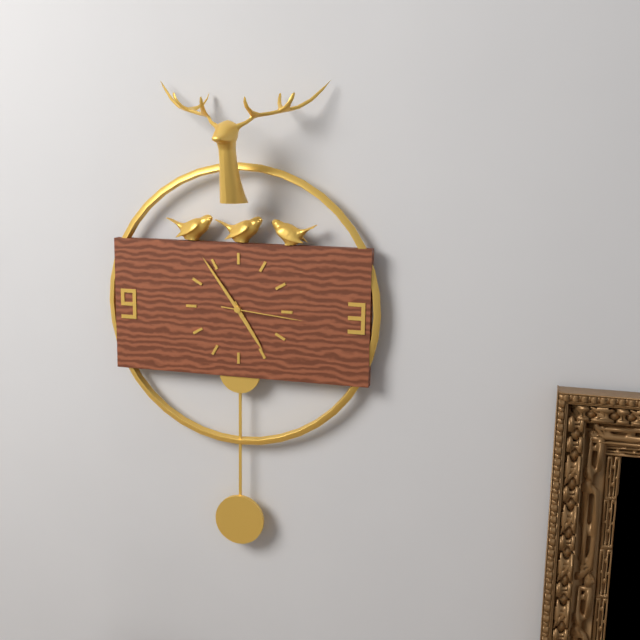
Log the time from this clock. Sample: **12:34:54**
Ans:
**4:54:16**
